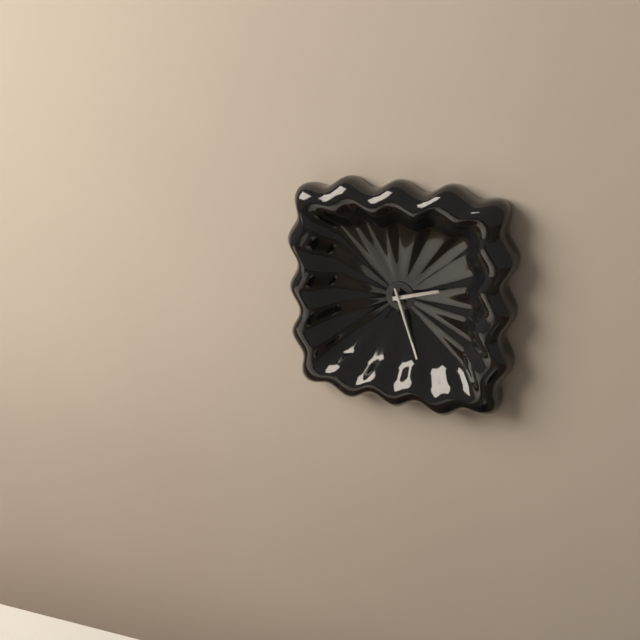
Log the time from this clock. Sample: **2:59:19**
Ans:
**2:27:27**
